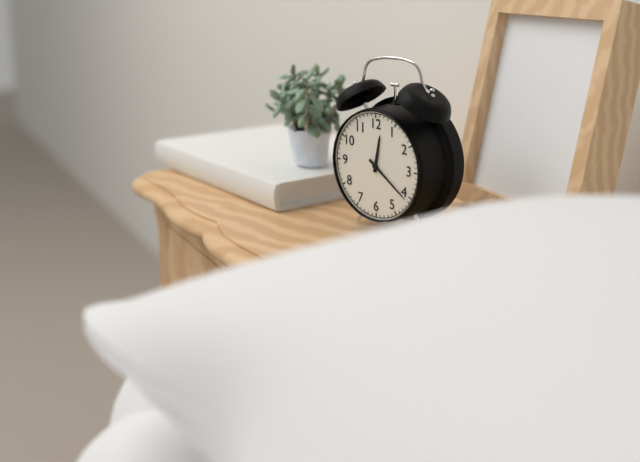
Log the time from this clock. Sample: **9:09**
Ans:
**12:21**
